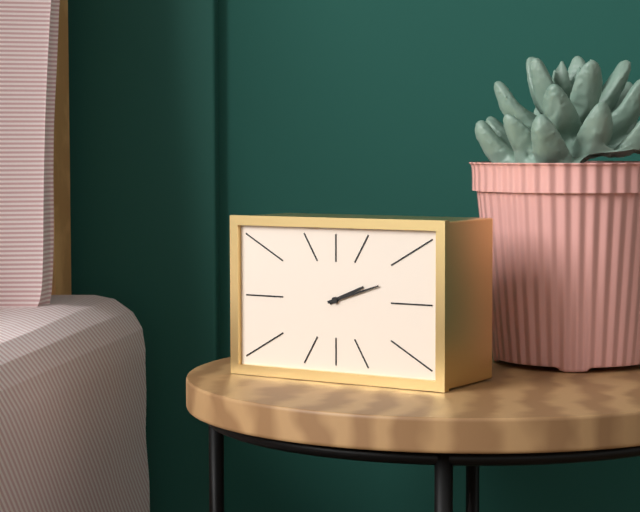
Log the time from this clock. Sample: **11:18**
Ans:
**2:12**
